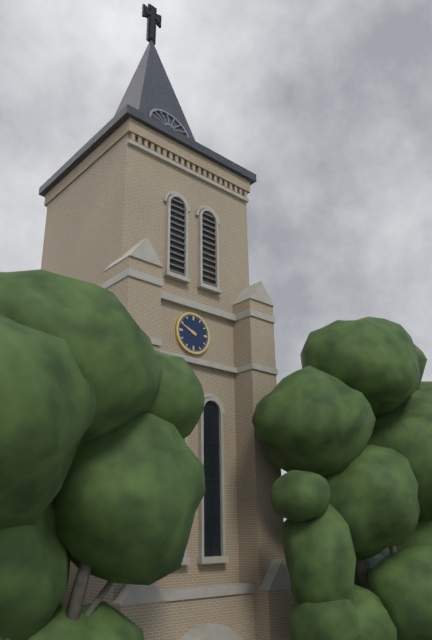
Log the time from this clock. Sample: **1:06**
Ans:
**9:49**
